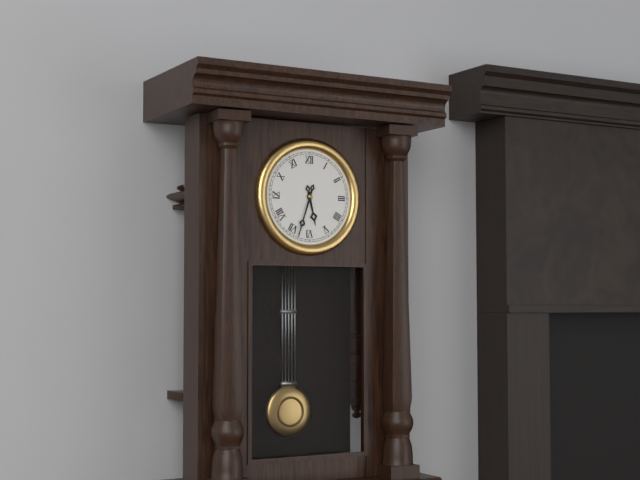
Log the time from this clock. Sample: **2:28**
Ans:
**5:33**
